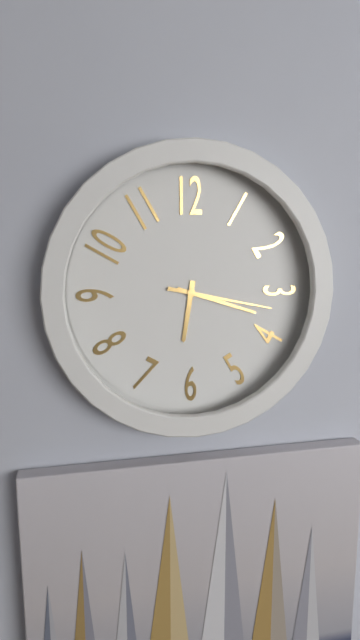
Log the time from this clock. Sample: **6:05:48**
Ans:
**6:18:17**
